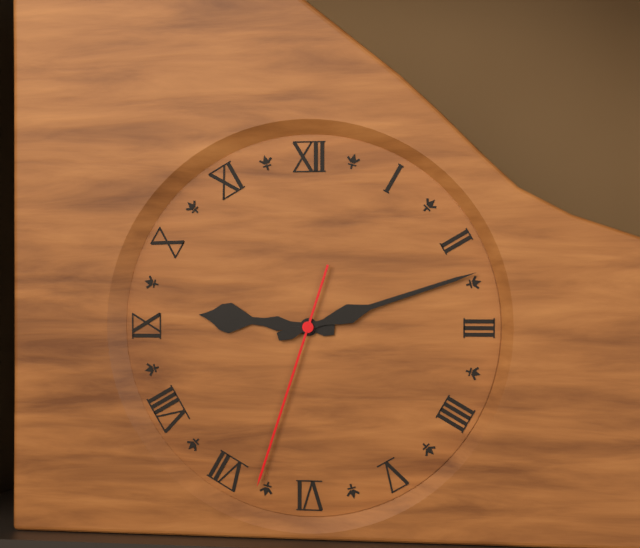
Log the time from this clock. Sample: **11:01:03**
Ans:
**9:12:33**
